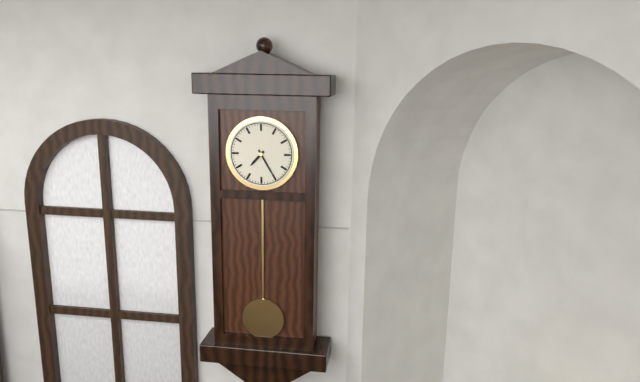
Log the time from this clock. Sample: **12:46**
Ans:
**7:25**
